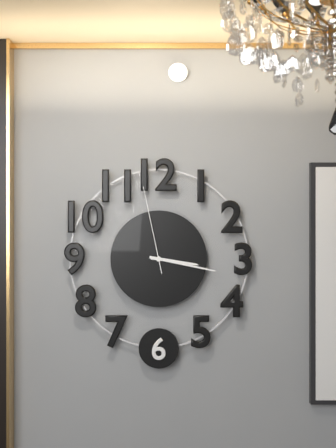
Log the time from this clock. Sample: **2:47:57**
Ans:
**3:17:58**
